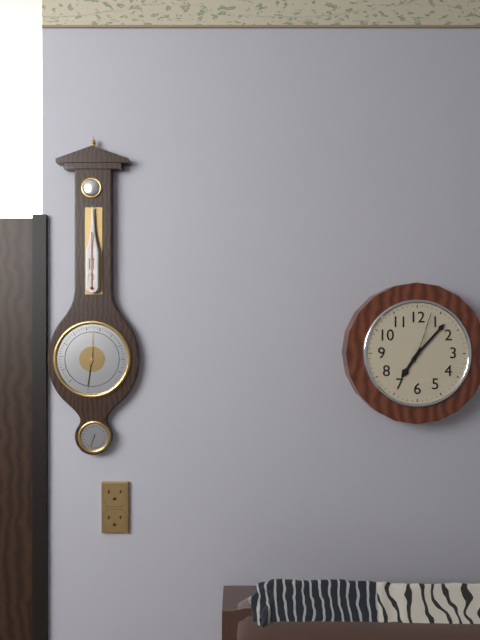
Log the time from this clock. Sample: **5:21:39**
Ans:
**7:07:03**
